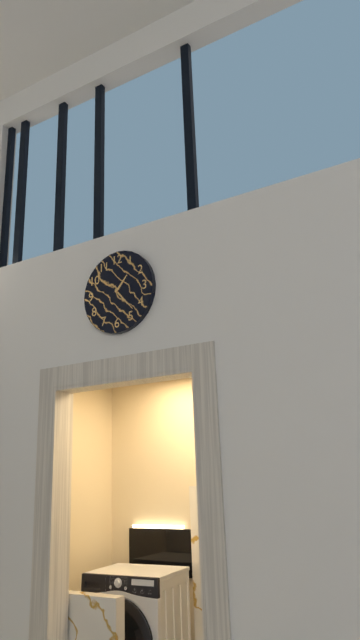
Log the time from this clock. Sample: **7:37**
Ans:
**1:23**
